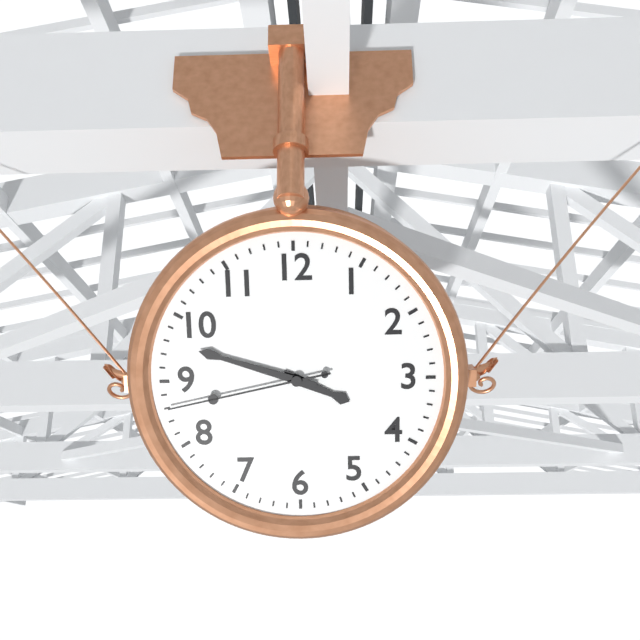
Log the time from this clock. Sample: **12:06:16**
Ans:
**3:48:43**
